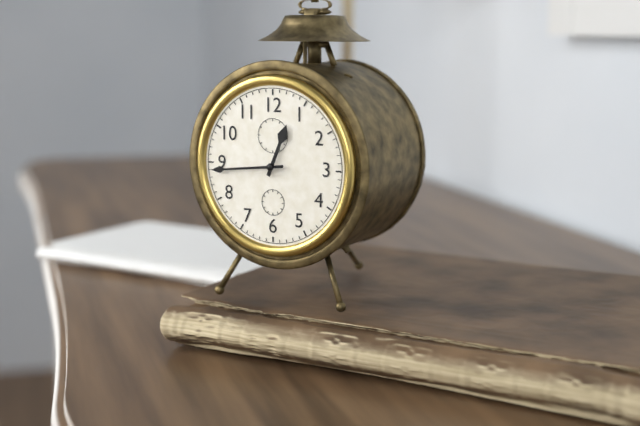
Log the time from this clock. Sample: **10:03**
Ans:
**12:44**
